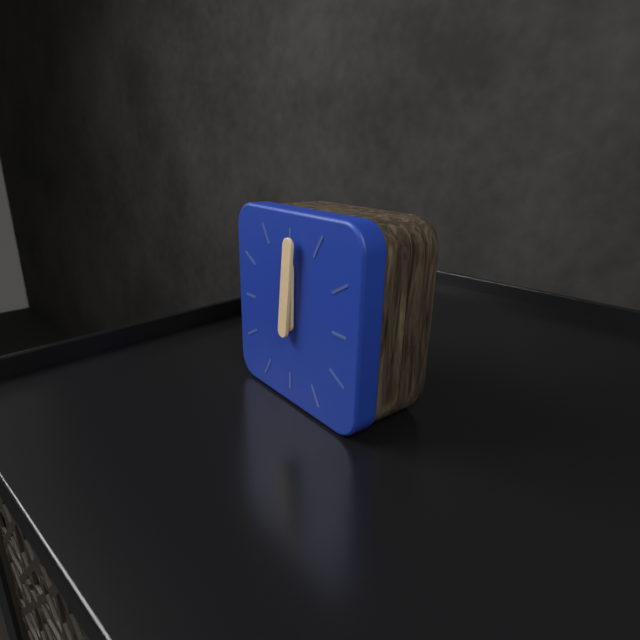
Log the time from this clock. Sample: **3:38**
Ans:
**12:01**
